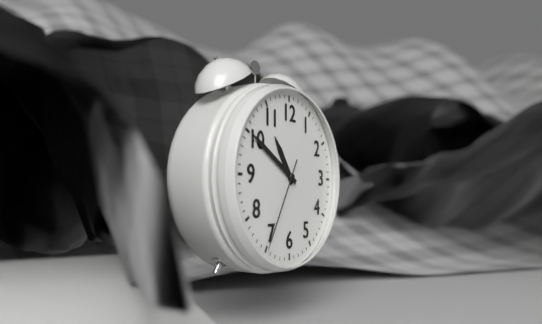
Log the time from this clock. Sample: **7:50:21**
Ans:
**10:50:35**
